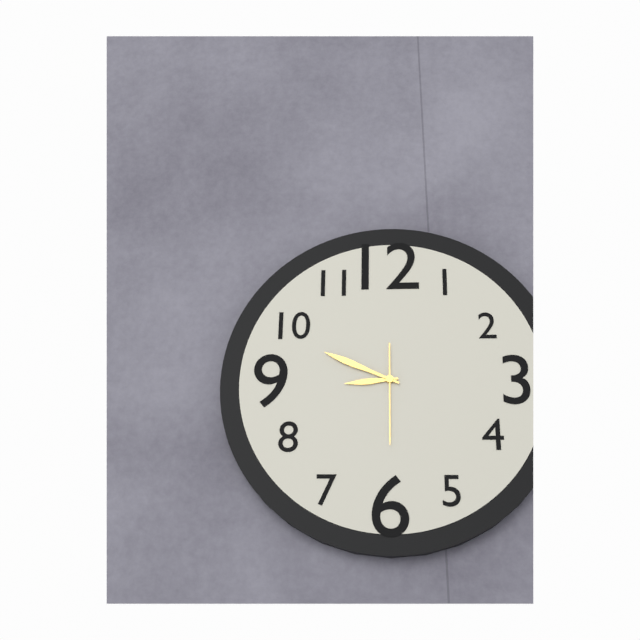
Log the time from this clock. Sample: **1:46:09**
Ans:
**8:49:30**
